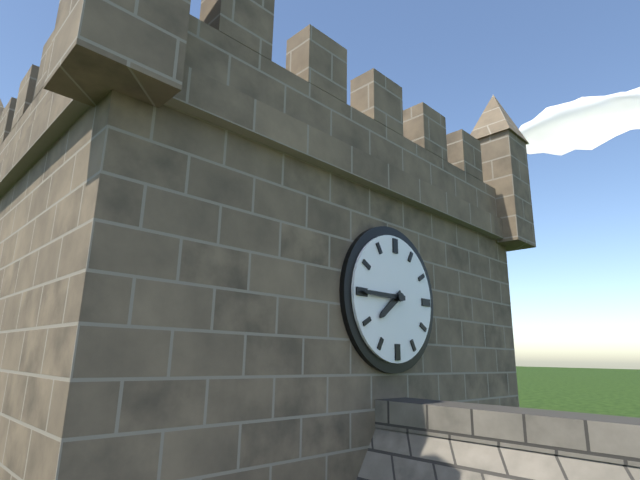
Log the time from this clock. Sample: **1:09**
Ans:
**7:45**
